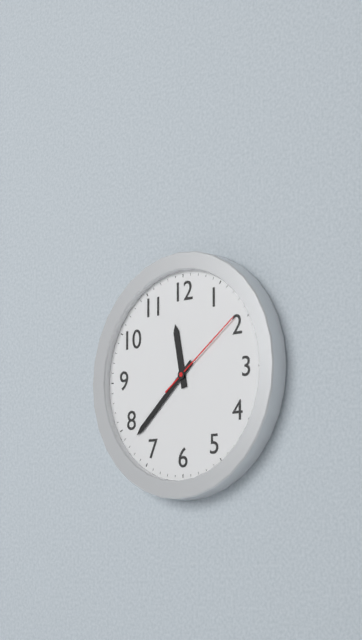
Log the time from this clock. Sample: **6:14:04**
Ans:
**11:38:09**
